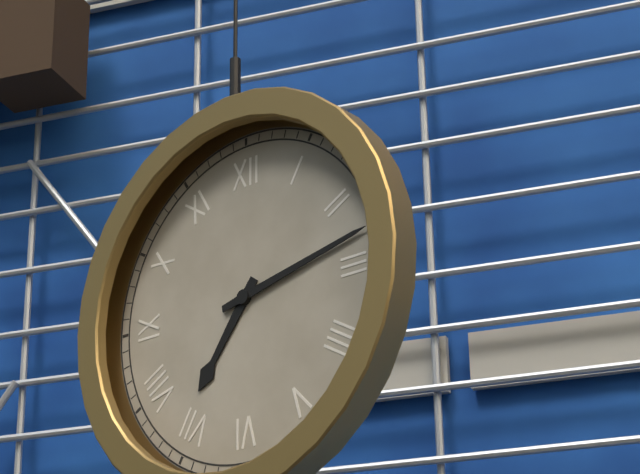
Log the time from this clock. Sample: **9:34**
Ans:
**7:13**
